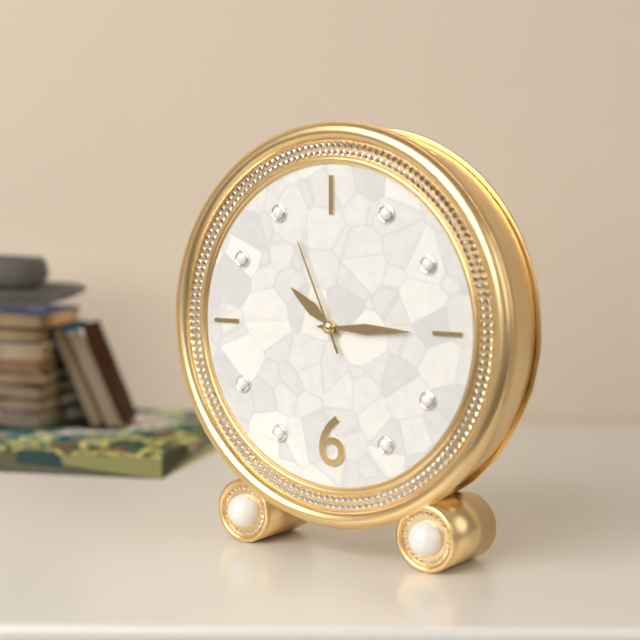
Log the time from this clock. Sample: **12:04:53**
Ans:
**10:15:56**
